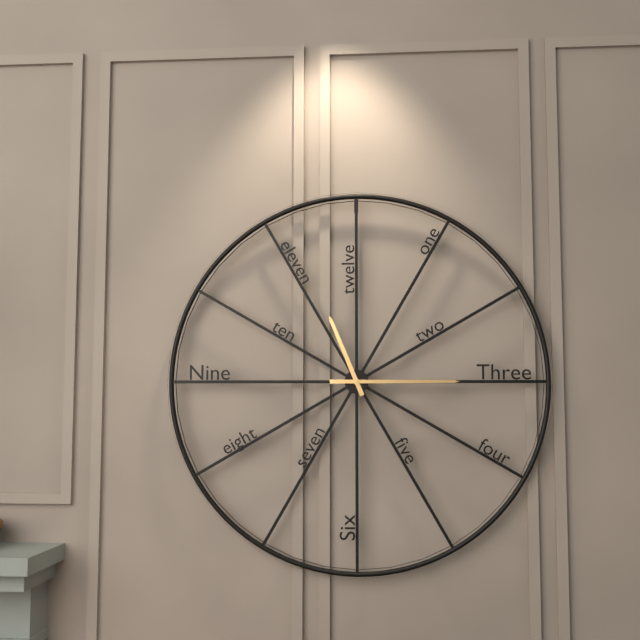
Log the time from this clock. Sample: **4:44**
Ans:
**11:15**
